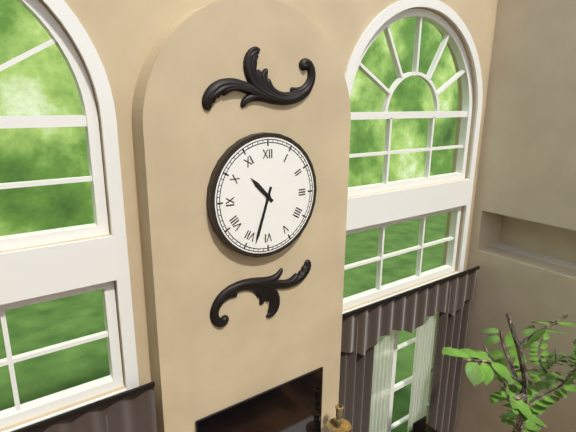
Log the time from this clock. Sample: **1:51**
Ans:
**10:33**
